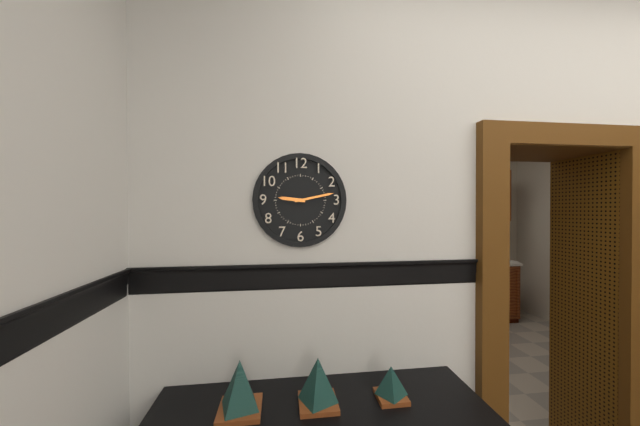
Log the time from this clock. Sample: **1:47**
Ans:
**9:13**
